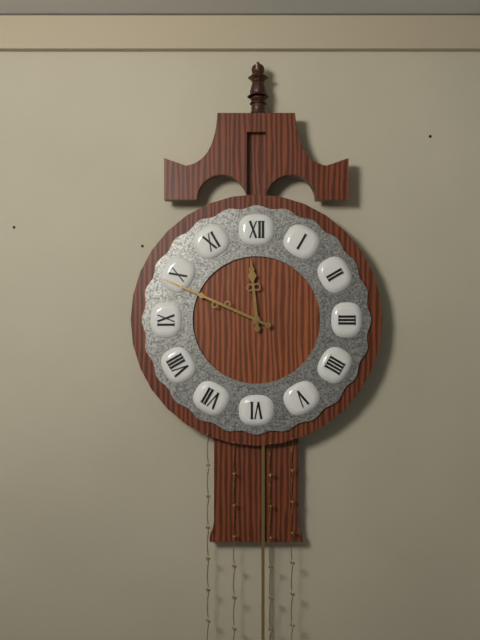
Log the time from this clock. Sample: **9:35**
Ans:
**11:49**
